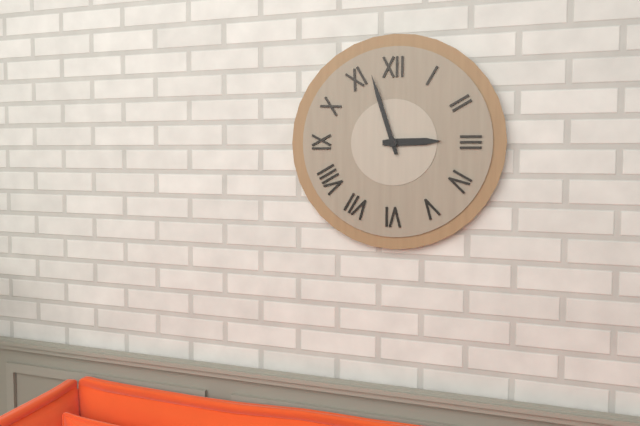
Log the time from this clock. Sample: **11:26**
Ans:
**2:57**
